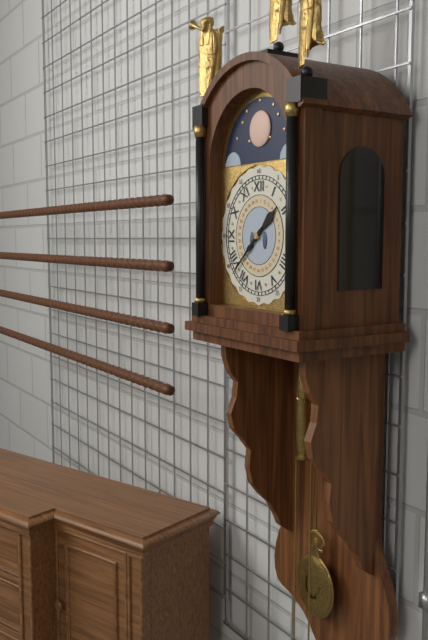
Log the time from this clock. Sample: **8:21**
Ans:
**1:38**
